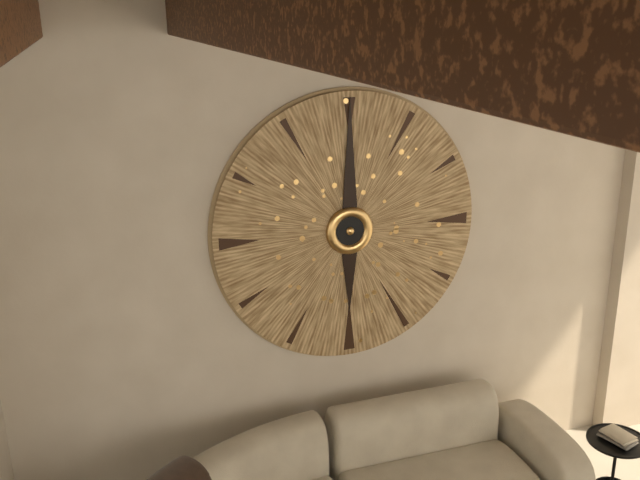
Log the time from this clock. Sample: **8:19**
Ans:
**6:00**
